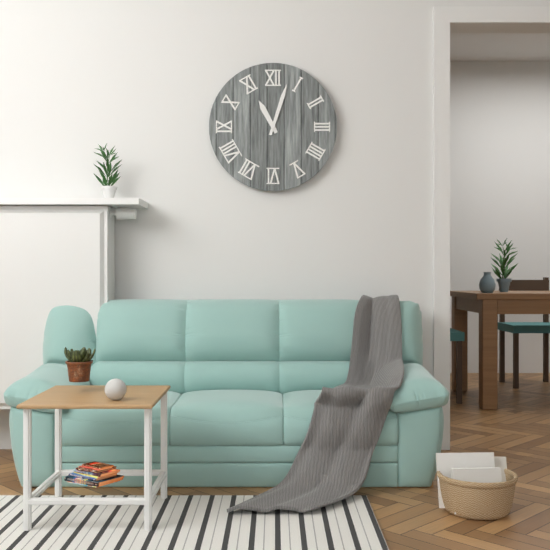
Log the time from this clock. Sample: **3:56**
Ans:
**11:03**
